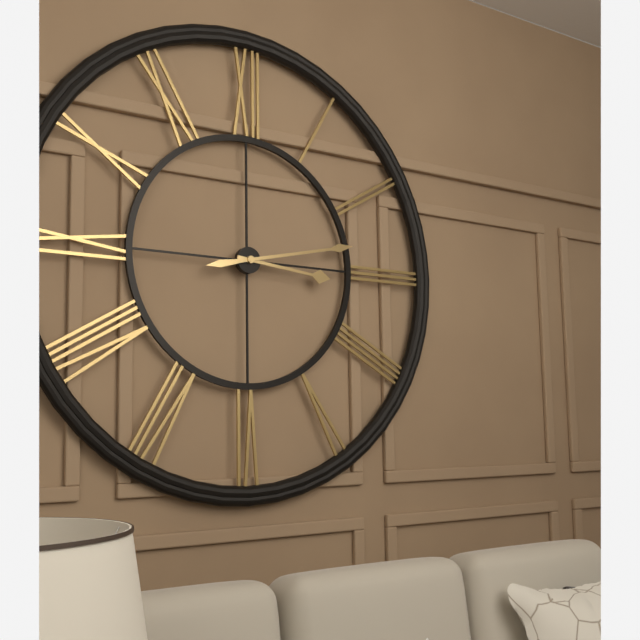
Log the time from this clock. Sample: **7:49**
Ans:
**3:13**
